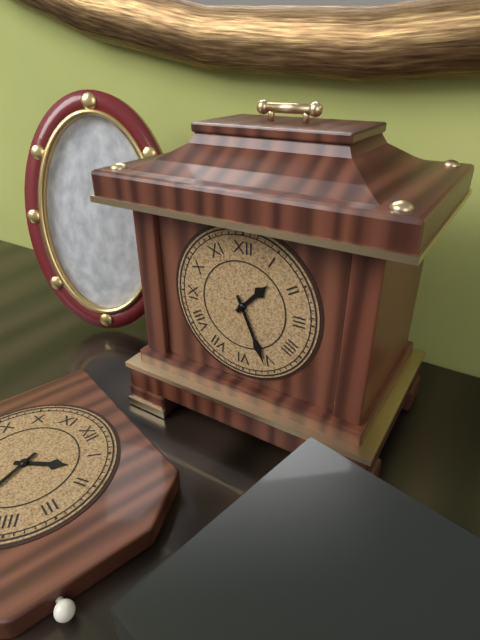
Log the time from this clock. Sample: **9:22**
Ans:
**1:26**
